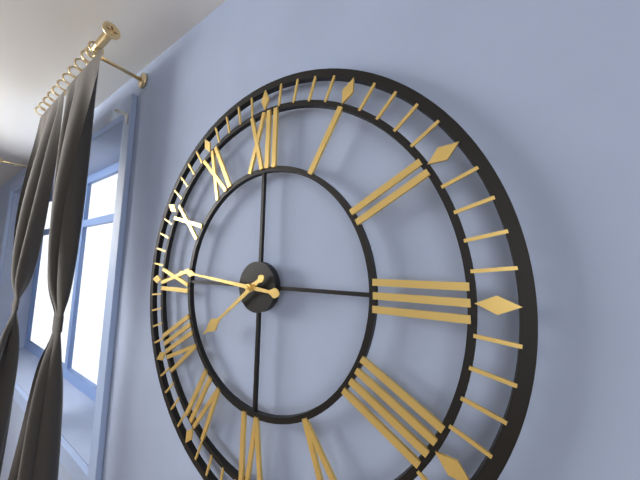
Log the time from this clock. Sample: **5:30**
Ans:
**7:46**
